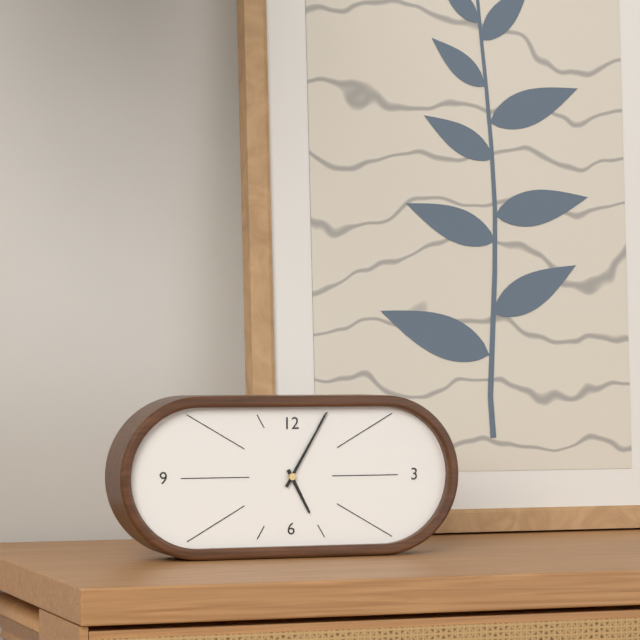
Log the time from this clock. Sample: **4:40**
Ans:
**5:05**
